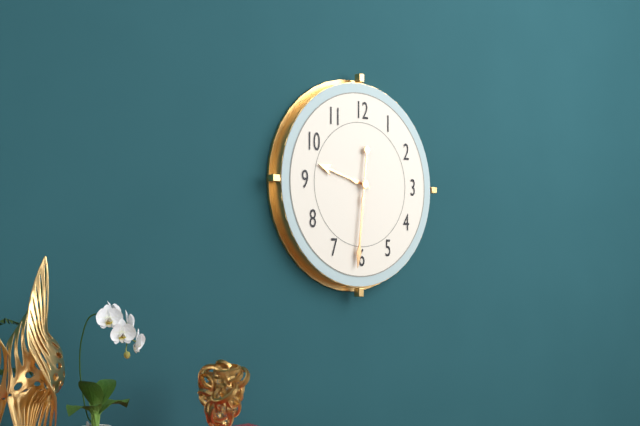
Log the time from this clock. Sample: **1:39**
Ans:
**9:31**
